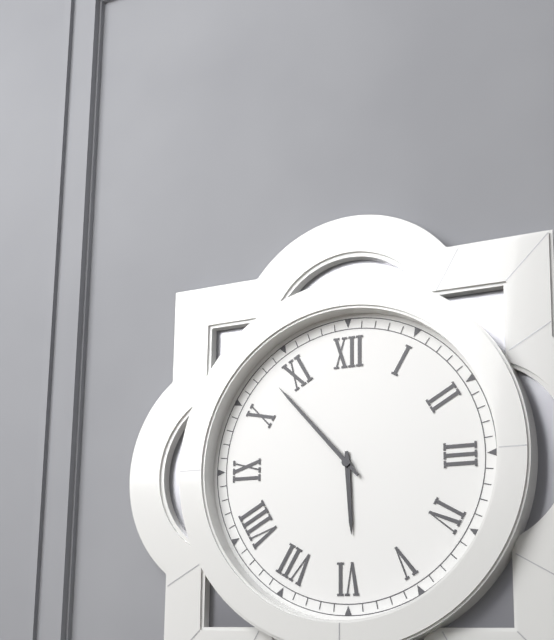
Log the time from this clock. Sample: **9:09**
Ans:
**5:53**
